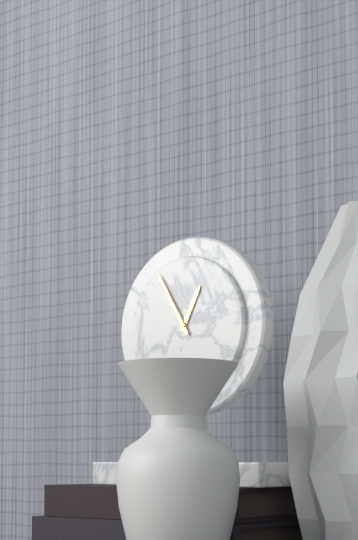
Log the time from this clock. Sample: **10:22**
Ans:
**12:55**
